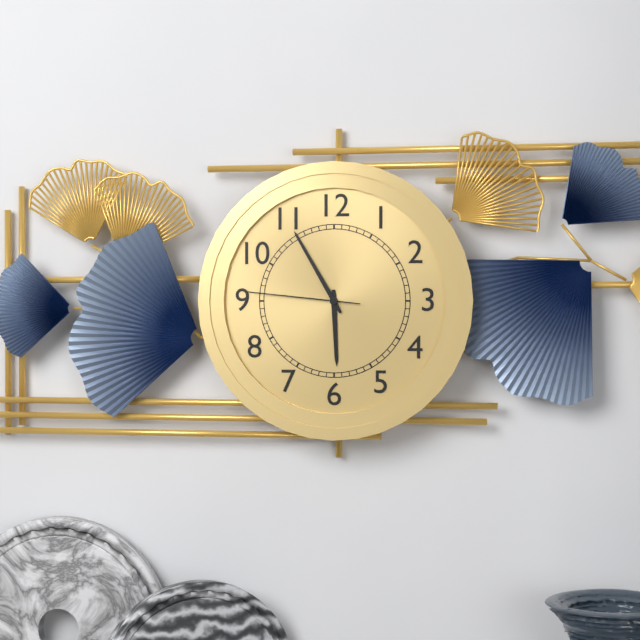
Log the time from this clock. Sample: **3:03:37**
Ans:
**5:55:46**
